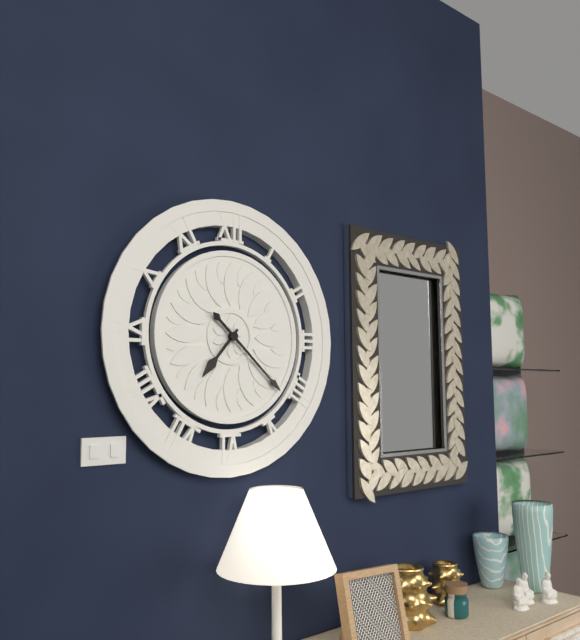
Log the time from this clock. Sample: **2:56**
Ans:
**7:22**
